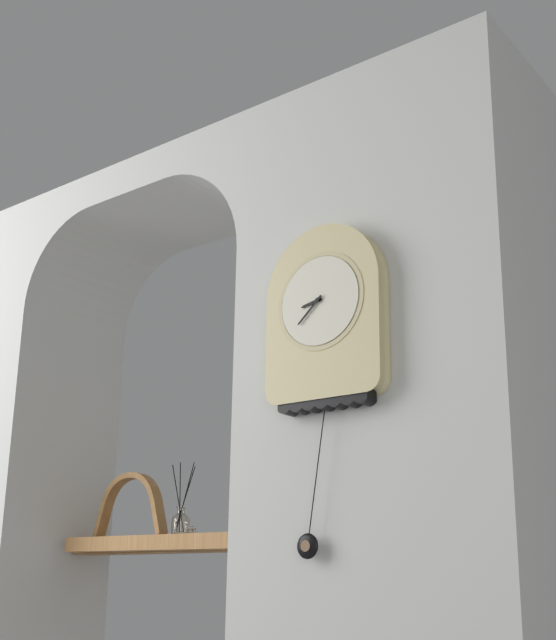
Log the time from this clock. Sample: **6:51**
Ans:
**8:38**
